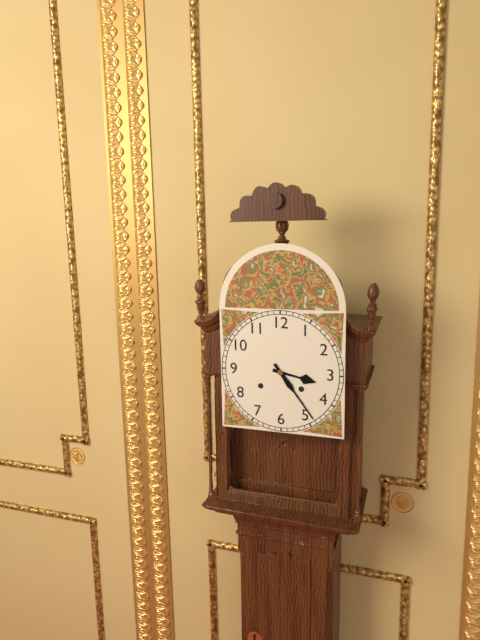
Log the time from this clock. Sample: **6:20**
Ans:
**3:24**
